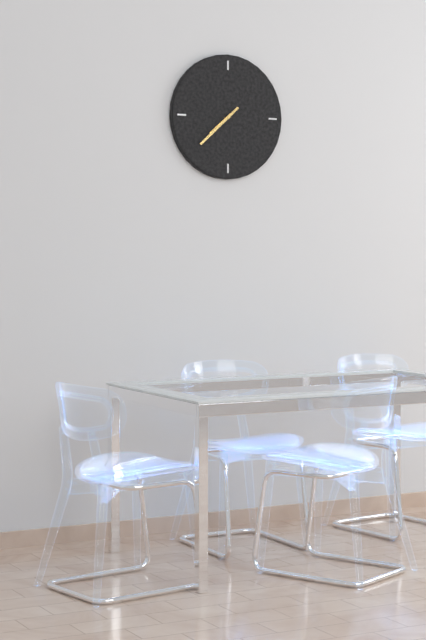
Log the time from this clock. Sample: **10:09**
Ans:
**7:38**
